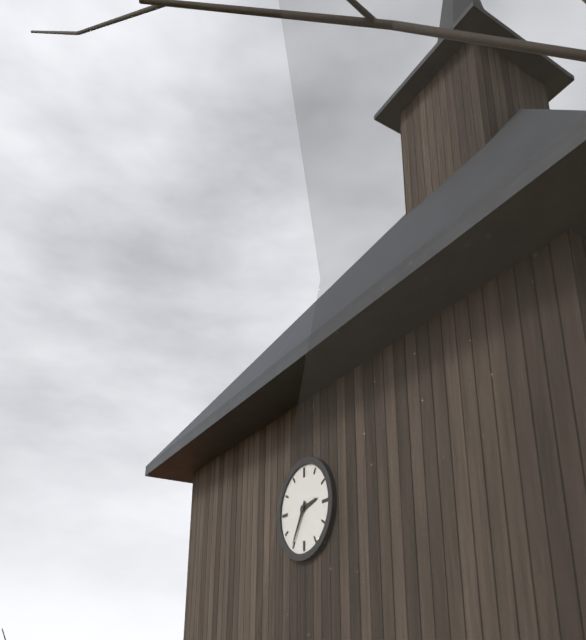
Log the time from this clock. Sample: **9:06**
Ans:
**2:35**
